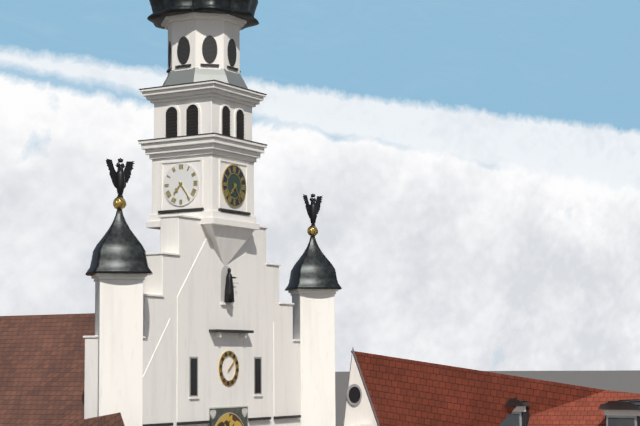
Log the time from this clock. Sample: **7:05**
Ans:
**7:24**
